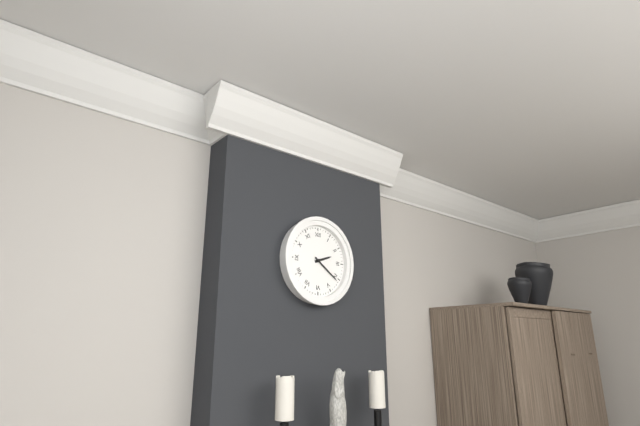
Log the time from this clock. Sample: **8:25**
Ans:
**2:21**
